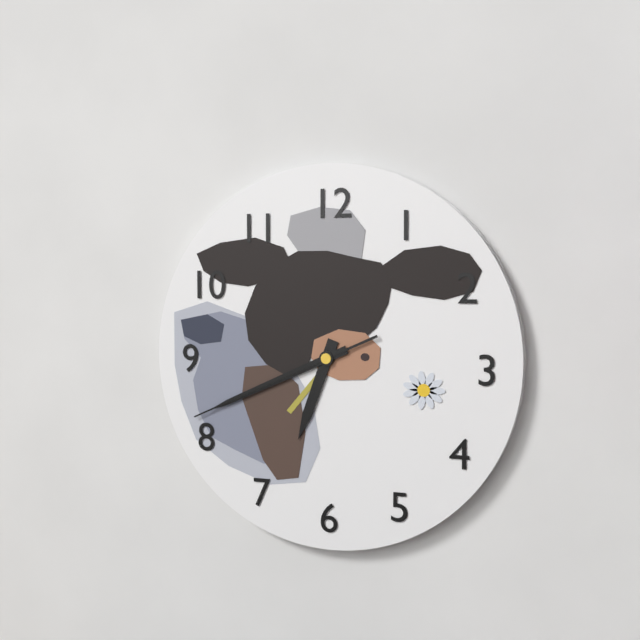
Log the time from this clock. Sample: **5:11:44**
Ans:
**6:41:41**
